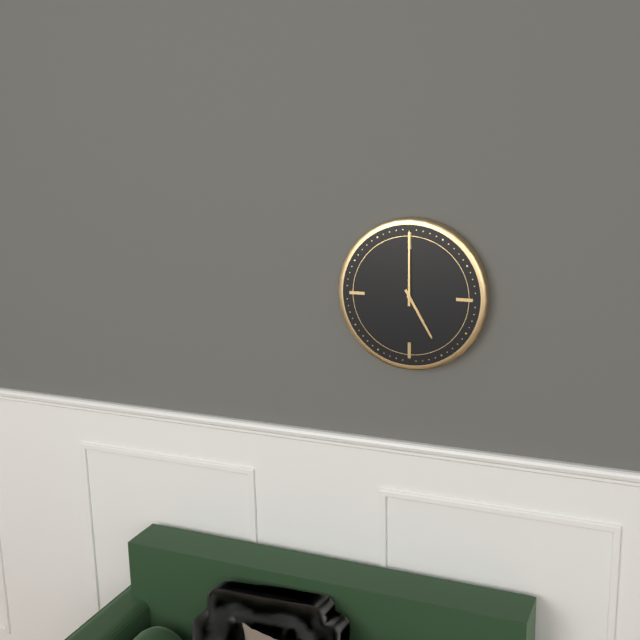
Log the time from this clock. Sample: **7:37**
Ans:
**5:00**
